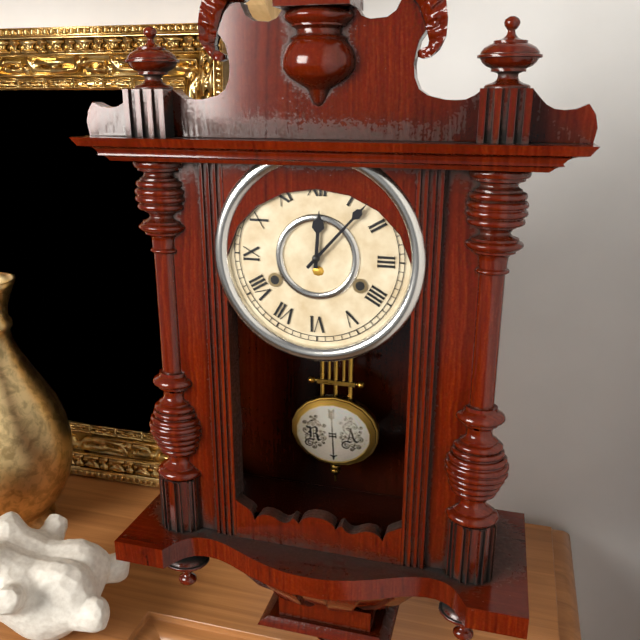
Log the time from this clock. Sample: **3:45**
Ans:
**12:07**
